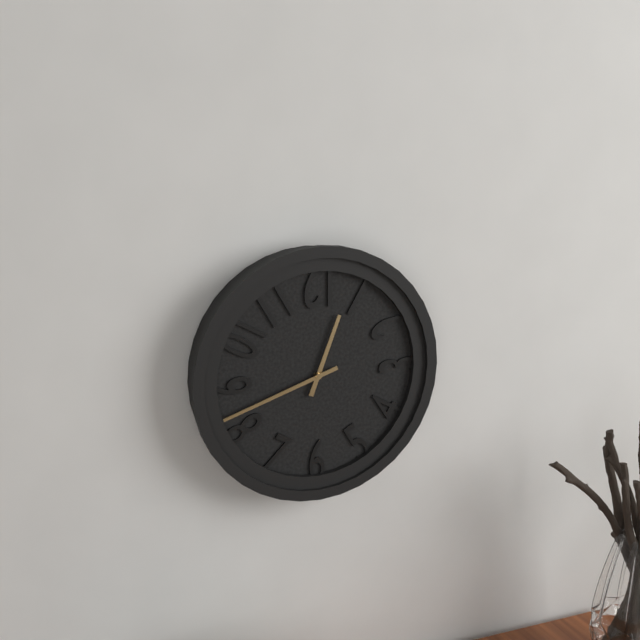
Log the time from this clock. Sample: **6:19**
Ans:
**12:42**
